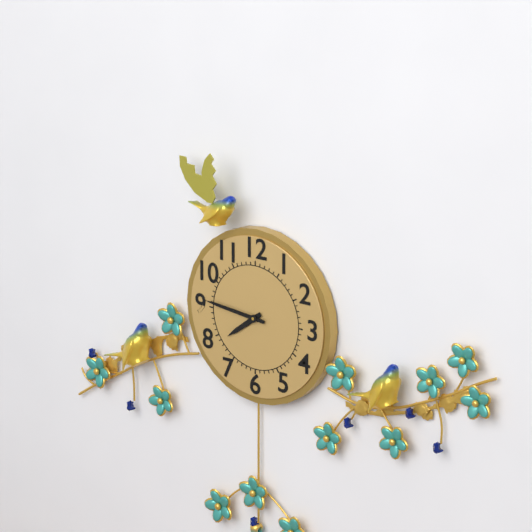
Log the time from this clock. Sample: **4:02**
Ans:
**7:46**
